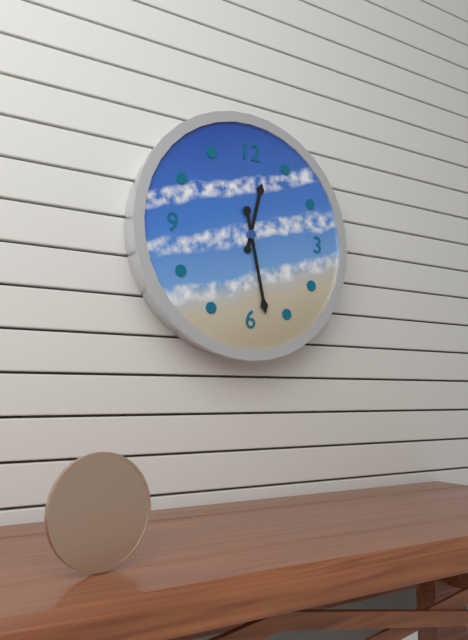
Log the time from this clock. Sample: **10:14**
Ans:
**12:28**
